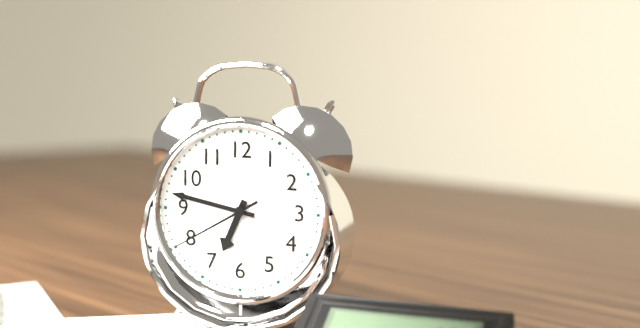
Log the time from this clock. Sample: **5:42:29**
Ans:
**6:47:40**
